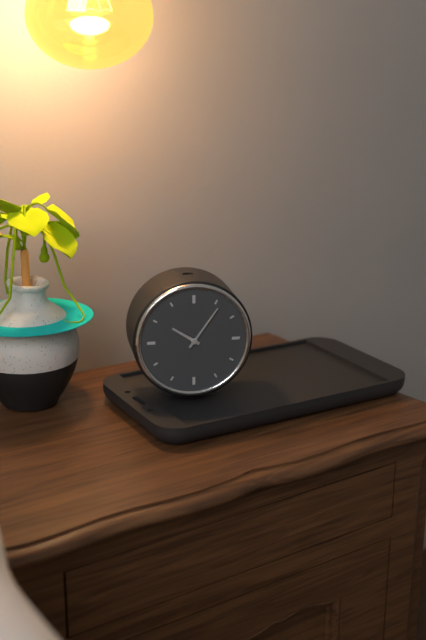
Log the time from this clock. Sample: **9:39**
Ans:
**10:06**
